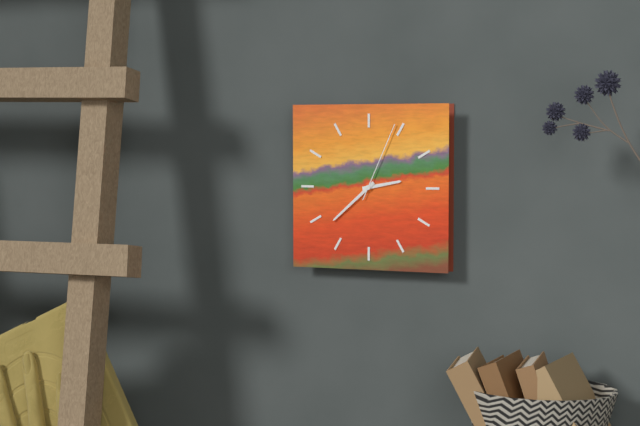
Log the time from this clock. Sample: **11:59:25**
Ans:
**2:38:04**
